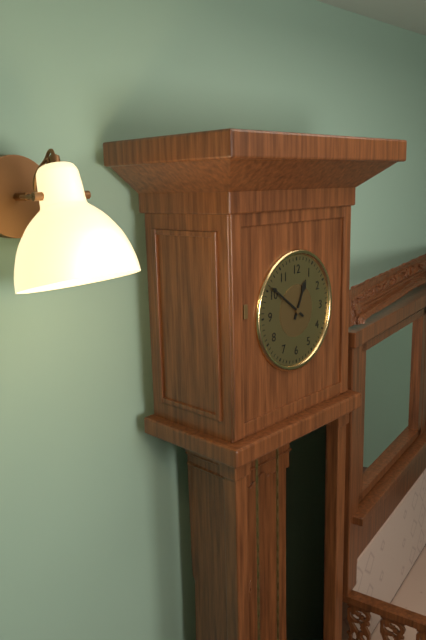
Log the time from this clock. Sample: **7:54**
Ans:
**12:51**
